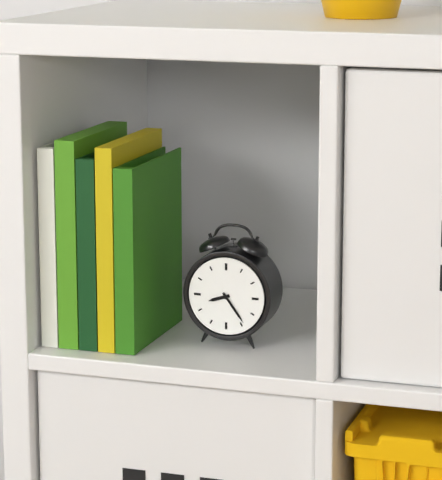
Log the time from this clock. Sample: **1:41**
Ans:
**8:24**
